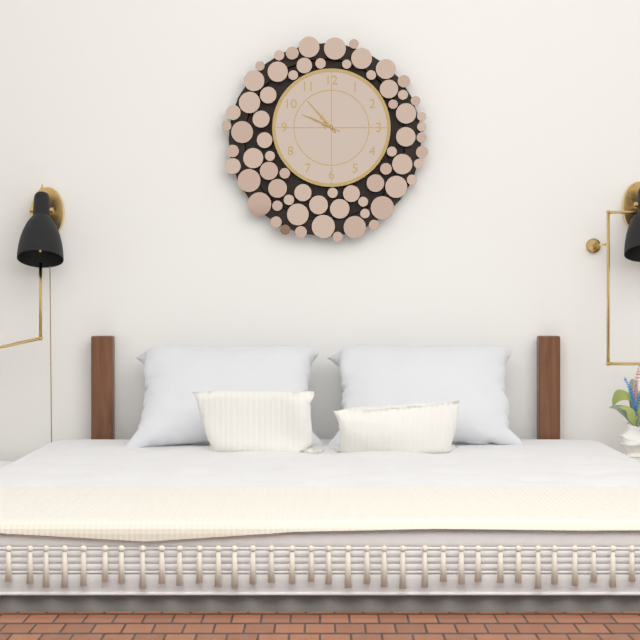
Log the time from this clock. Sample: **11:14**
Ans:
**9:53**
